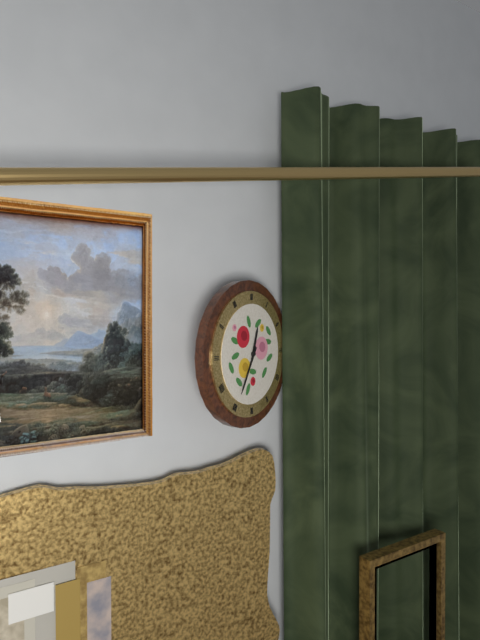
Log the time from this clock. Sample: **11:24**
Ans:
**12:35**
